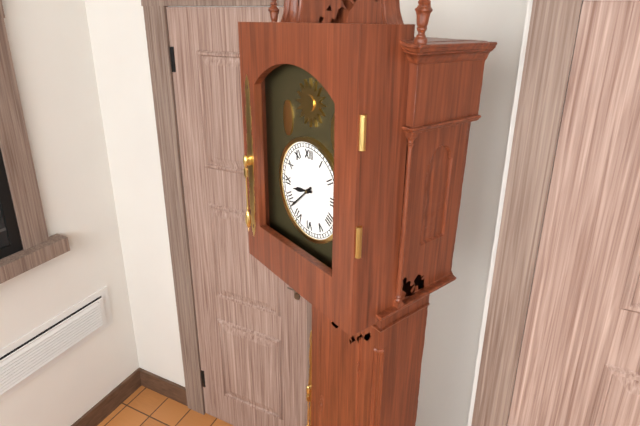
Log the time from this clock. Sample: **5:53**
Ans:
**8:38**
